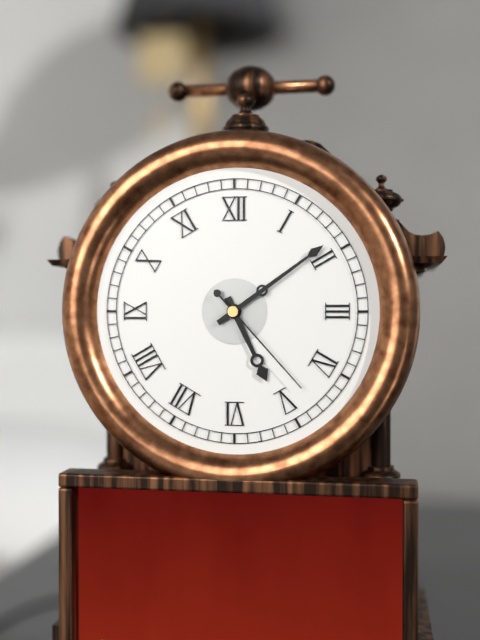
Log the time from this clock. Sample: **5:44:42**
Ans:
**5:09:23**
